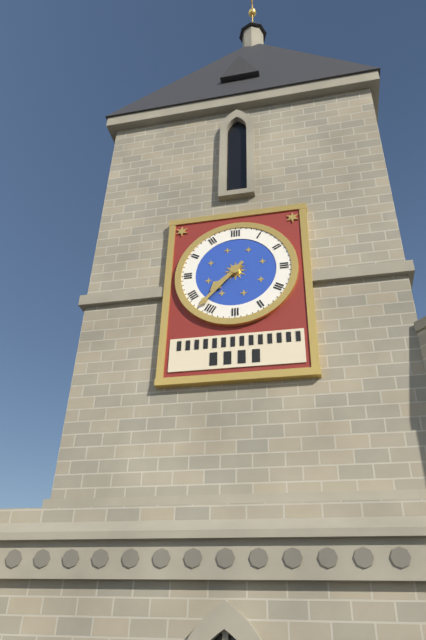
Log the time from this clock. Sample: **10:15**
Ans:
**7:37**
